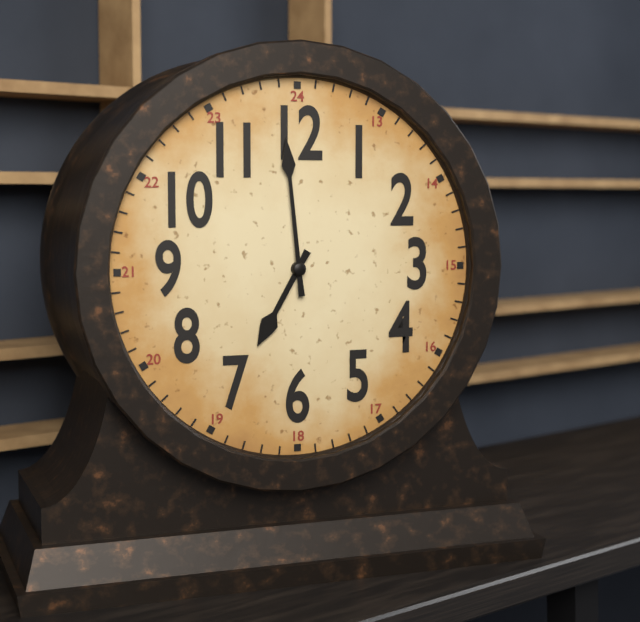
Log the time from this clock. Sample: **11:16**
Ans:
**6:59**
